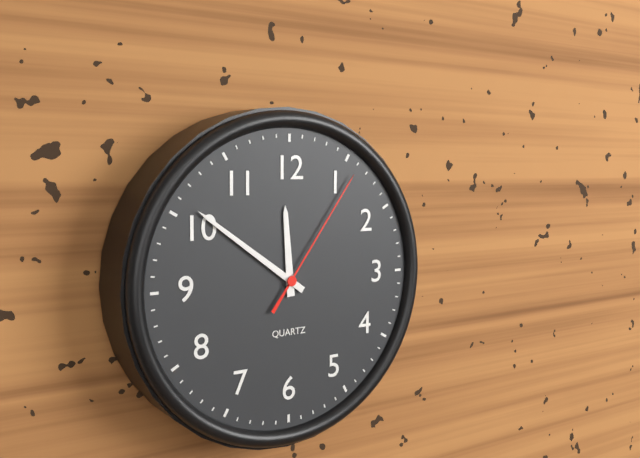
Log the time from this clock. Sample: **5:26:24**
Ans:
**11:51:06**
